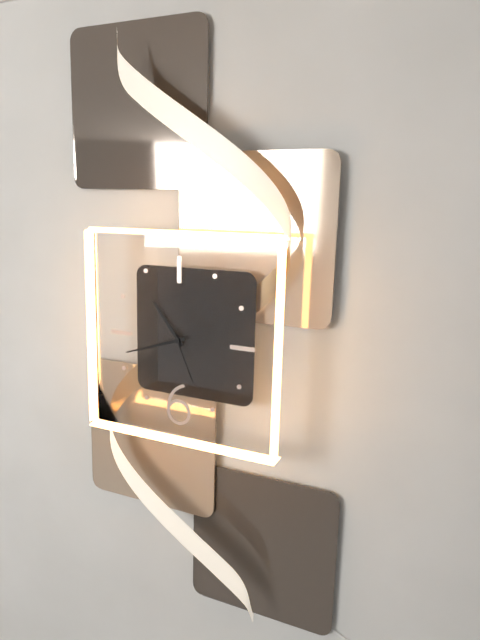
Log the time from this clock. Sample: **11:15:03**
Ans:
**10:42:26**
